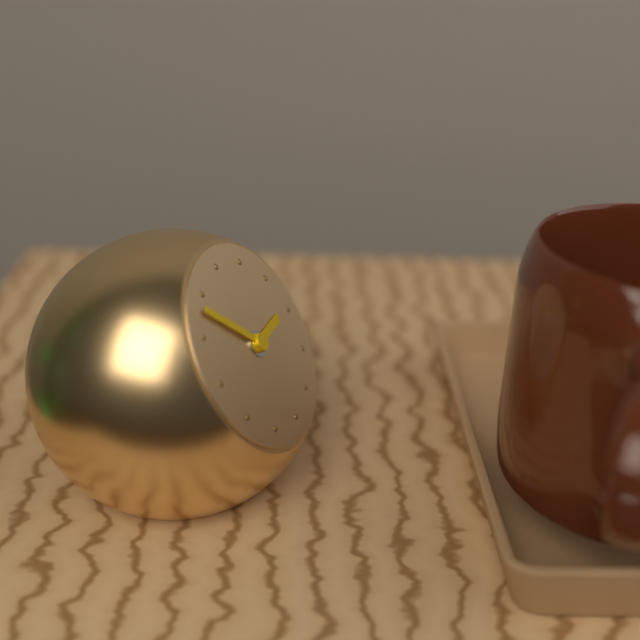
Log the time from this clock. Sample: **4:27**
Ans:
**2:53**
